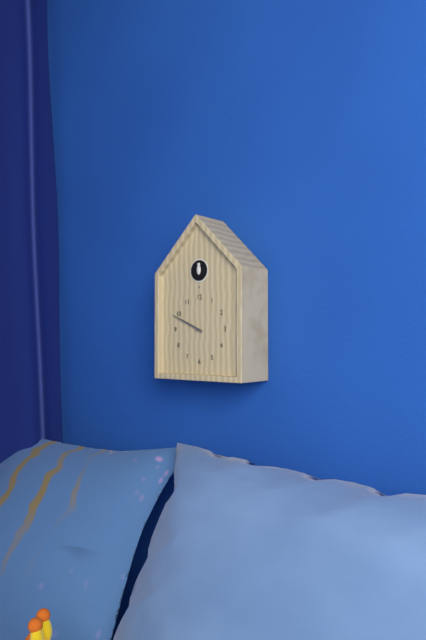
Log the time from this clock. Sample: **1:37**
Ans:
**9:49**
